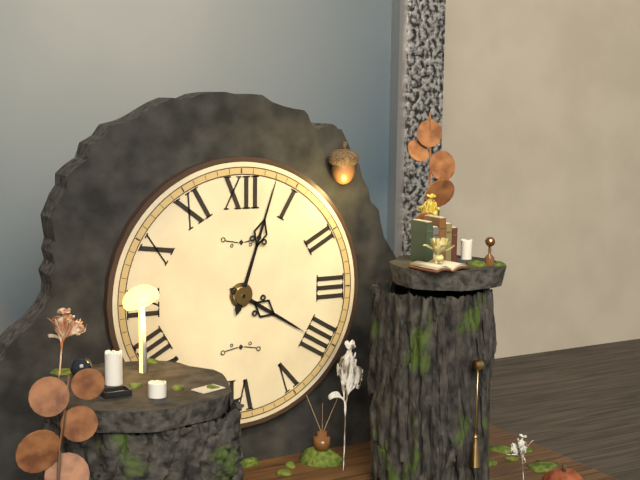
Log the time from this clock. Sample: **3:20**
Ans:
**4:03**
